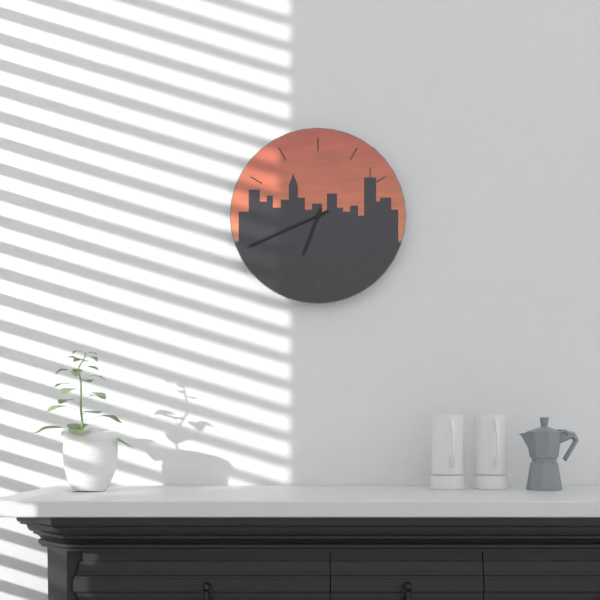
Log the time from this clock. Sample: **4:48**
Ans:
**6:41**
